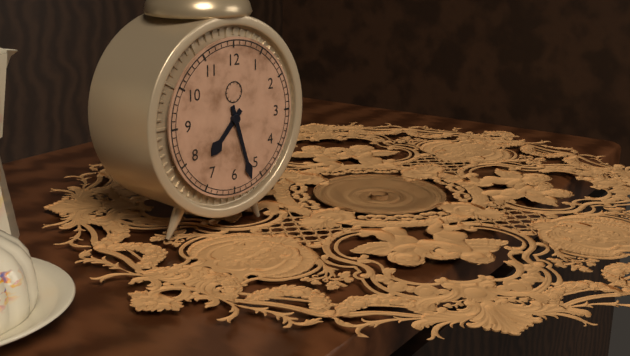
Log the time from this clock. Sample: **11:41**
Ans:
**7:27**
